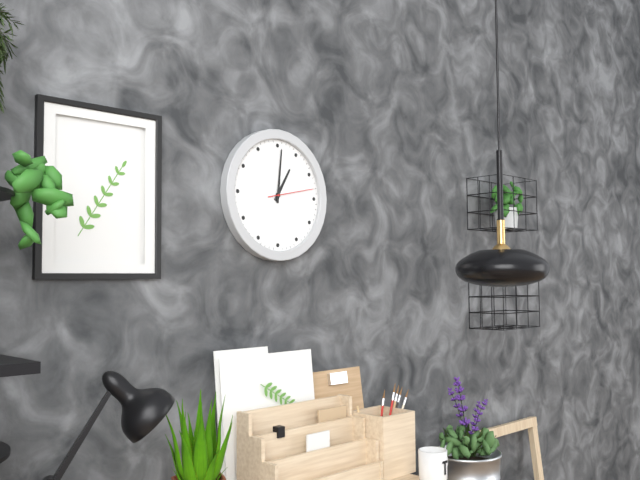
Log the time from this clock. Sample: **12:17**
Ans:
**1:01**
